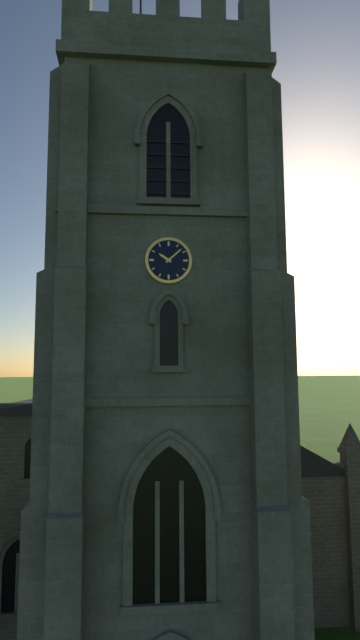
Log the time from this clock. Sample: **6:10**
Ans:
**10:08**
